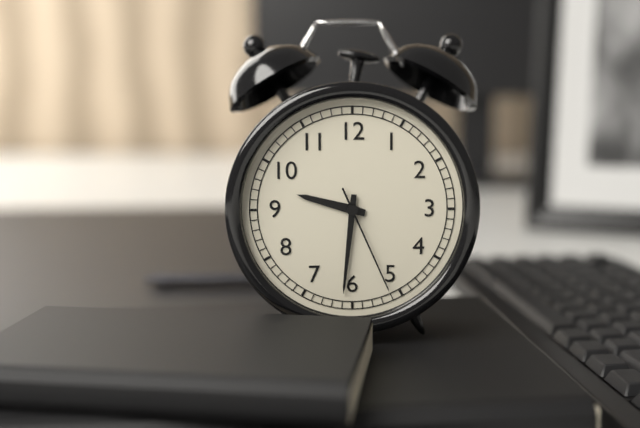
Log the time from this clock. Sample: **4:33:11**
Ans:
**9:31:26**
